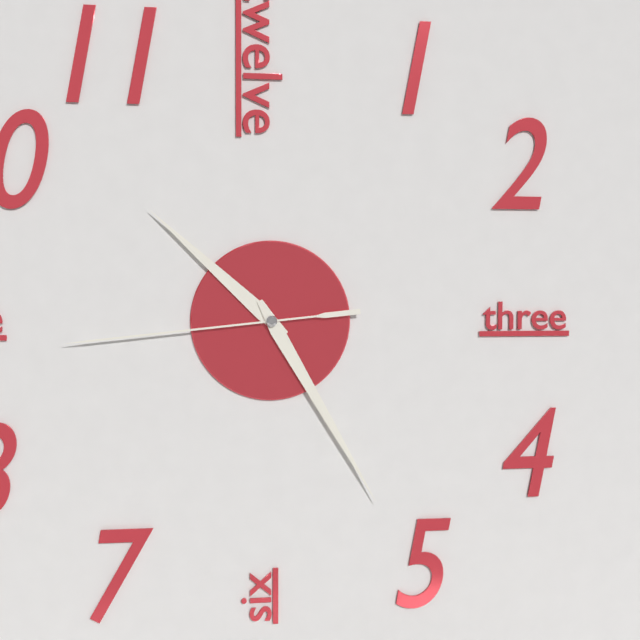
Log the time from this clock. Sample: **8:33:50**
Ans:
**10:25:44**
